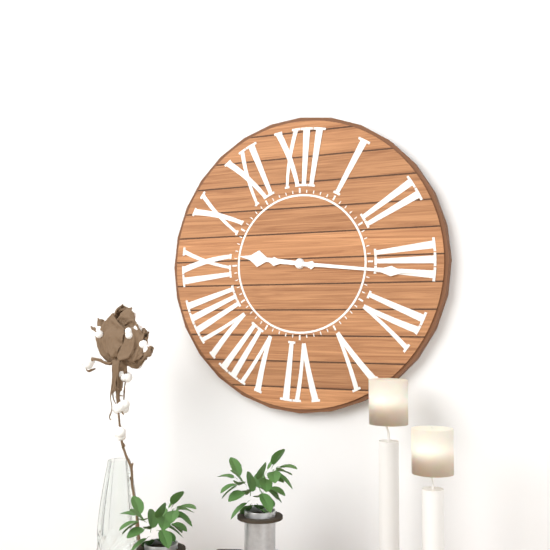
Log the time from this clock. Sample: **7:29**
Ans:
**9:16**
